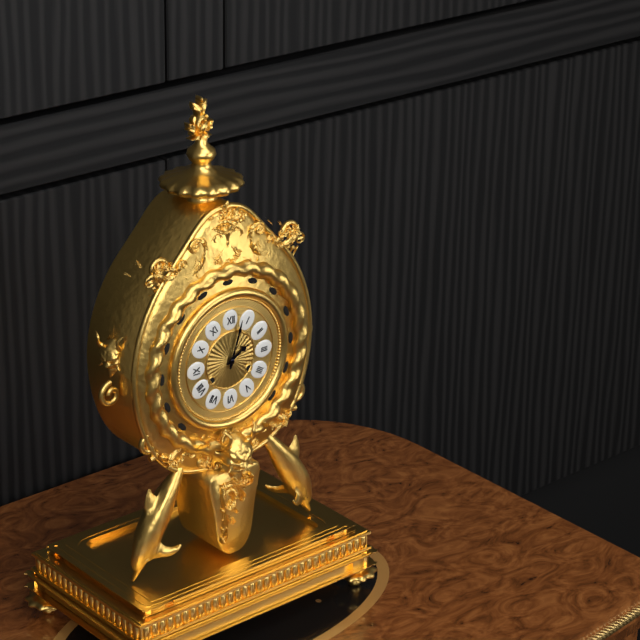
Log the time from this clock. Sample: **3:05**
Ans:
**2:03**
